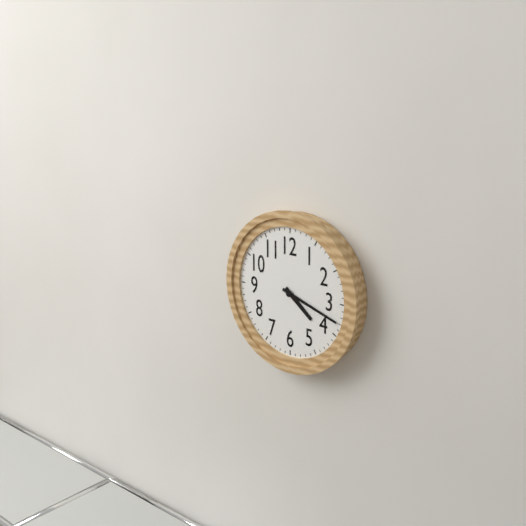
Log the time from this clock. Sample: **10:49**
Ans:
**4:18**
